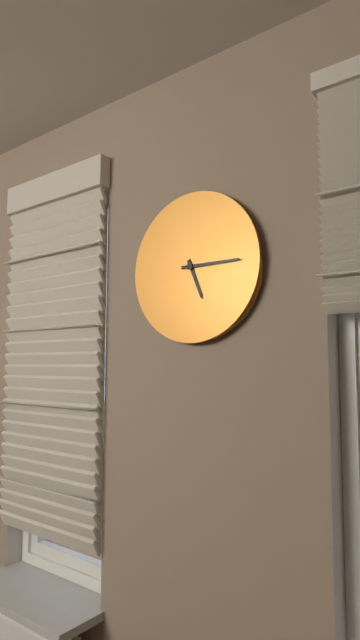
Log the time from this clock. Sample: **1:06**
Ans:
**5:15**
